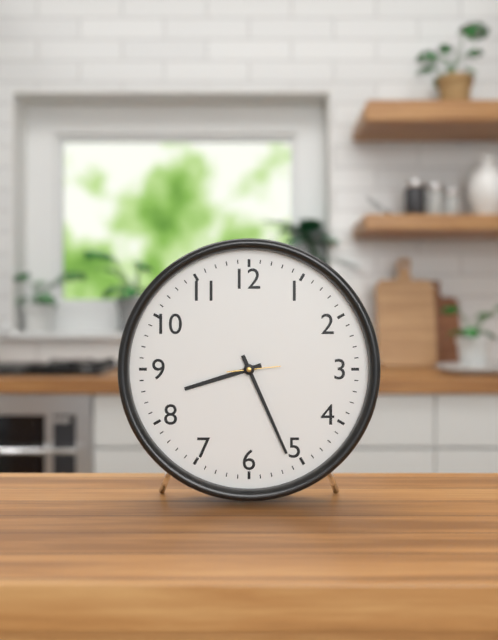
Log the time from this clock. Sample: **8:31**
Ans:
**8:26**
